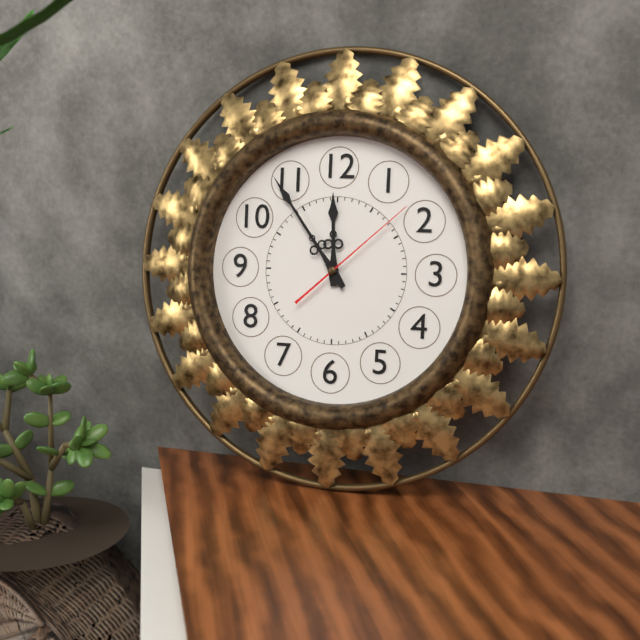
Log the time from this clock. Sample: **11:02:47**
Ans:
**11:54:08**
